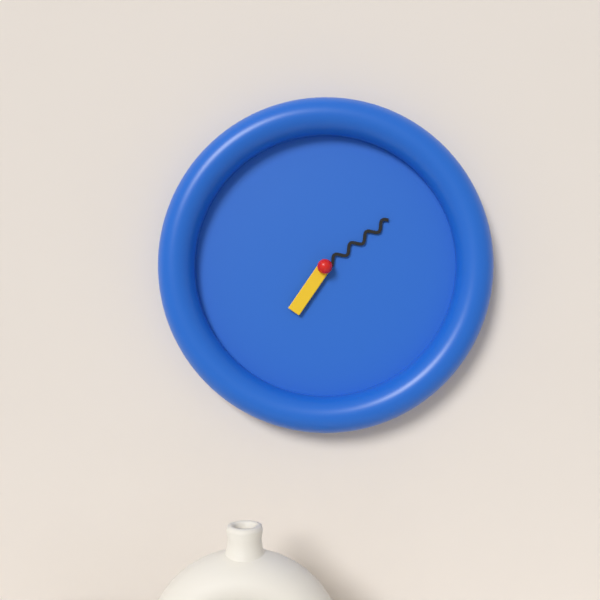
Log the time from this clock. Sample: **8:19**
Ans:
**7:09**
